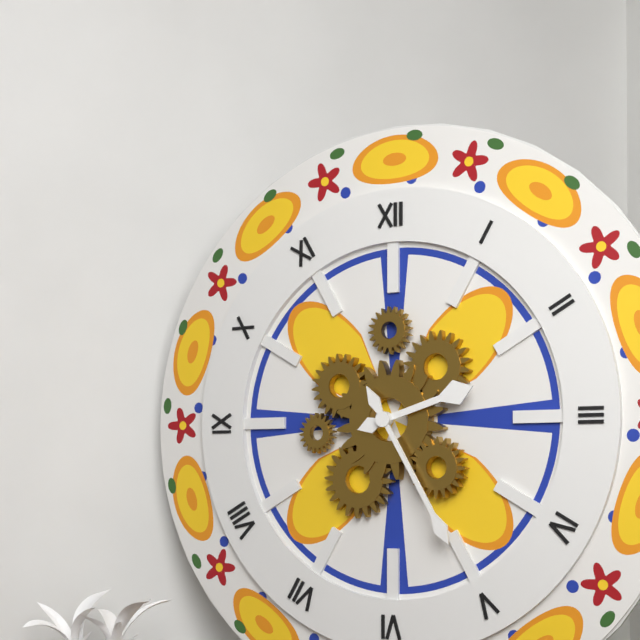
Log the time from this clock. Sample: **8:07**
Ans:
**2:25**
